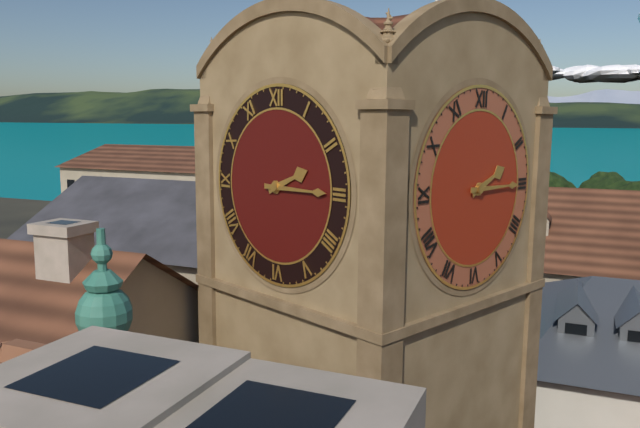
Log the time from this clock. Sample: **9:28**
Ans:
**2:15**
